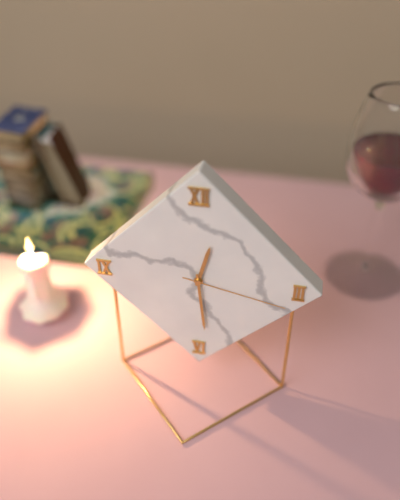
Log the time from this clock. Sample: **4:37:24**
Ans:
**12:29:17**
